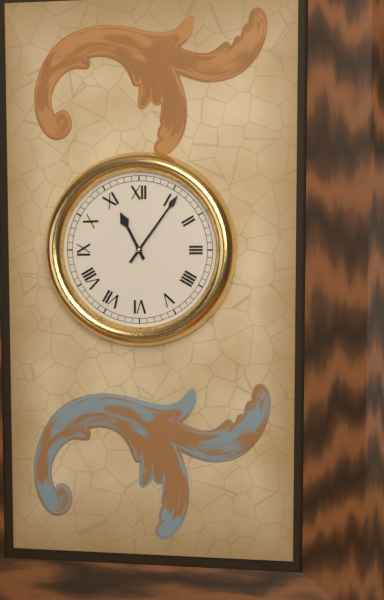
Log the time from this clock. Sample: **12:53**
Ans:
**11:06**
